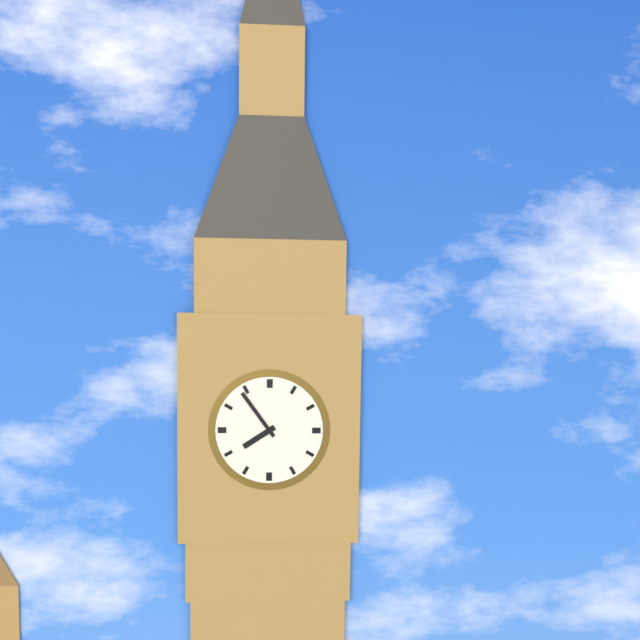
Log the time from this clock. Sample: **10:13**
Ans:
**7:54**
